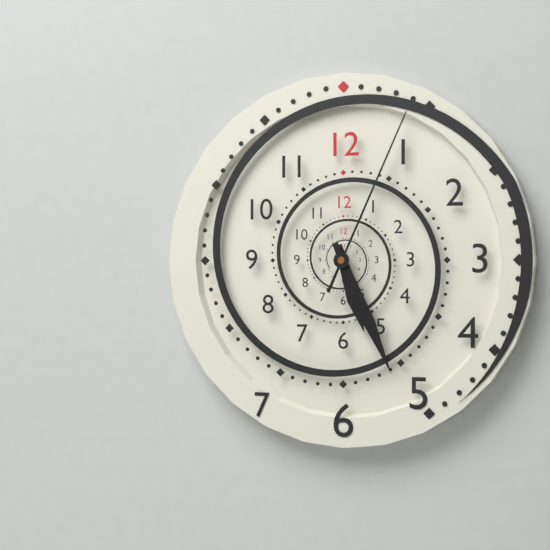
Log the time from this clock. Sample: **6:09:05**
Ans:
**5:26:04**
